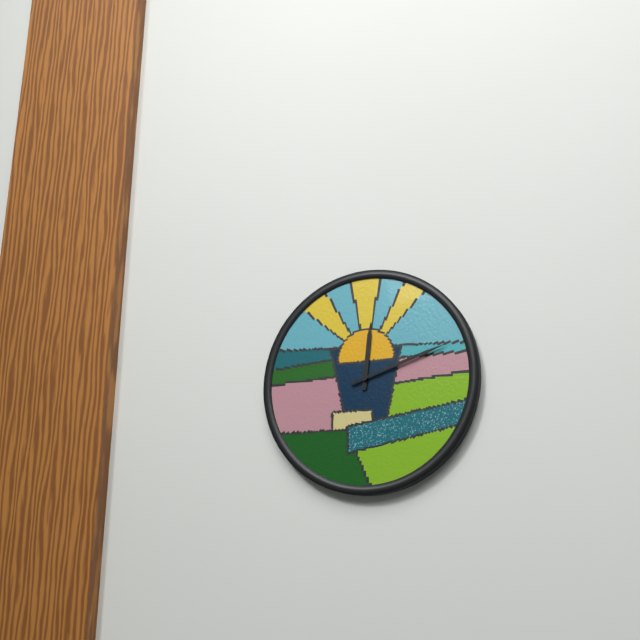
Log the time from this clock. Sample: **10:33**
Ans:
**12:12**
